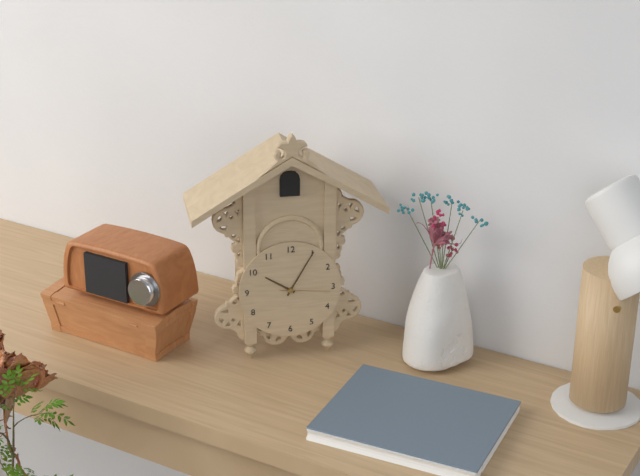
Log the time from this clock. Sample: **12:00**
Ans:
**10:05**
